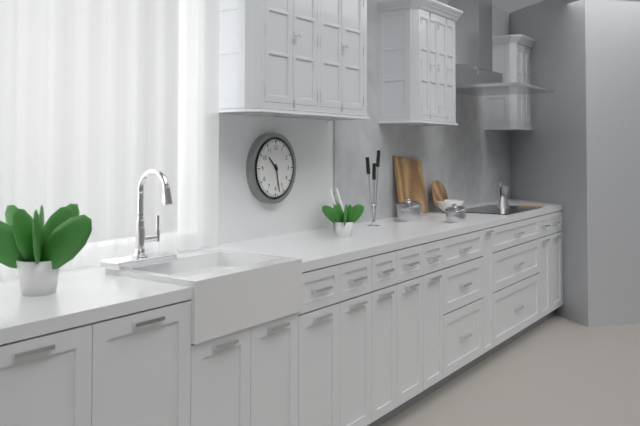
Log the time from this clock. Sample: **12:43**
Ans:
**10:28**
